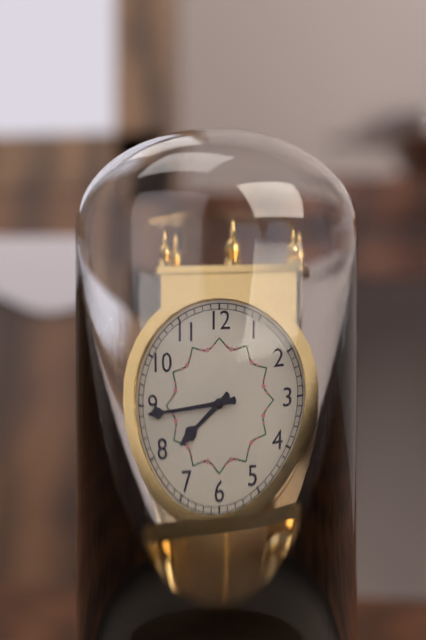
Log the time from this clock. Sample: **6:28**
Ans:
**7:44**
